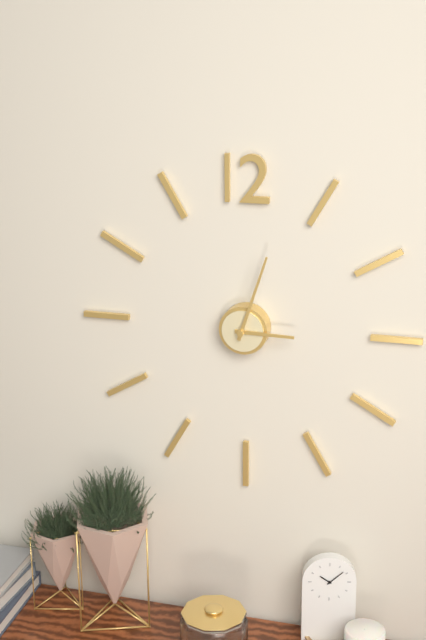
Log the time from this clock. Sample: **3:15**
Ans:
**3:03**
